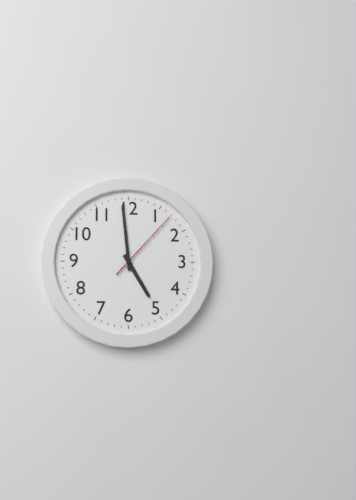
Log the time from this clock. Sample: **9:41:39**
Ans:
**4:59:07**
